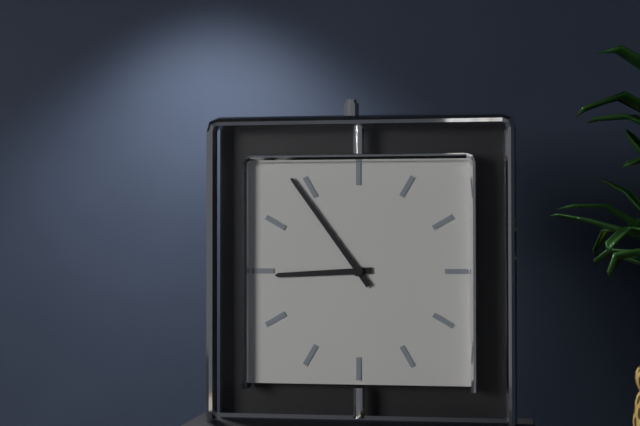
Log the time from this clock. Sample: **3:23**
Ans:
**8:54**
